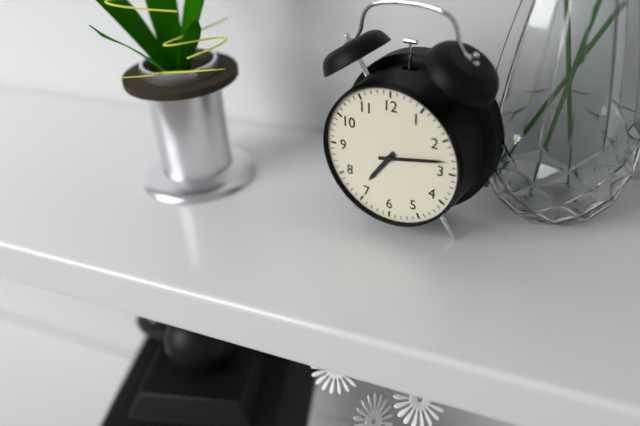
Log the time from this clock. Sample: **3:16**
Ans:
**7:13**
